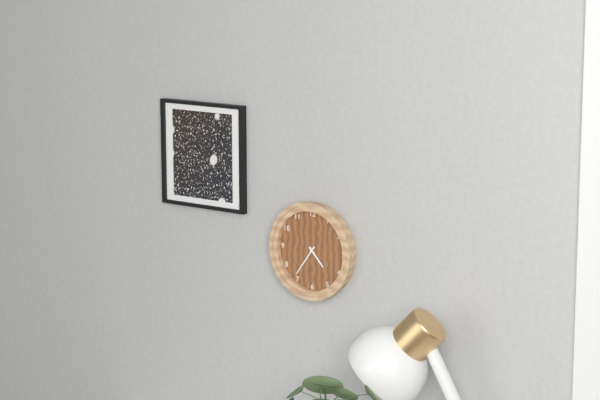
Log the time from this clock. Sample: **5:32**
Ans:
**4:36**
